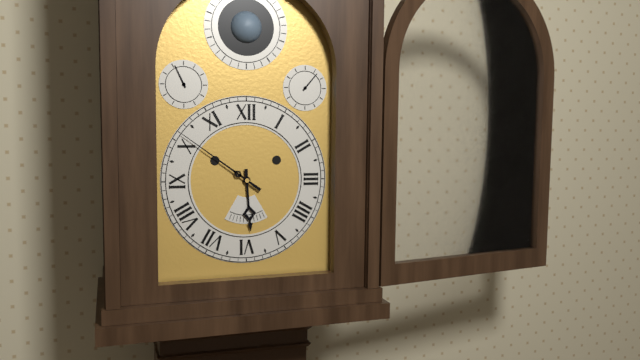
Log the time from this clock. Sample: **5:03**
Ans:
**5:51**
